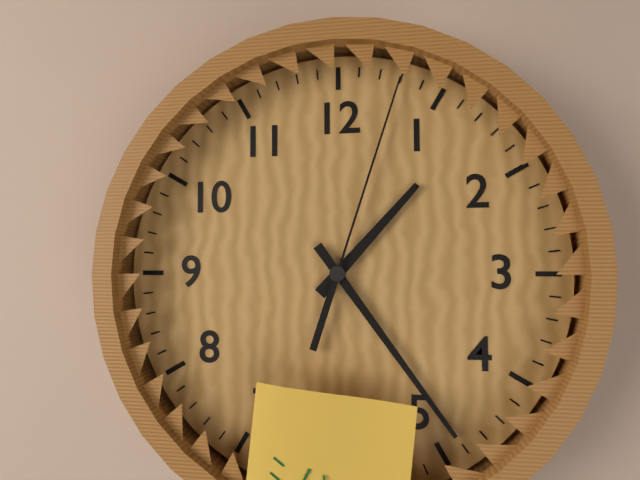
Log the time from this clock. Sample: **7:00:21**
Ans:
**1:24:03**
